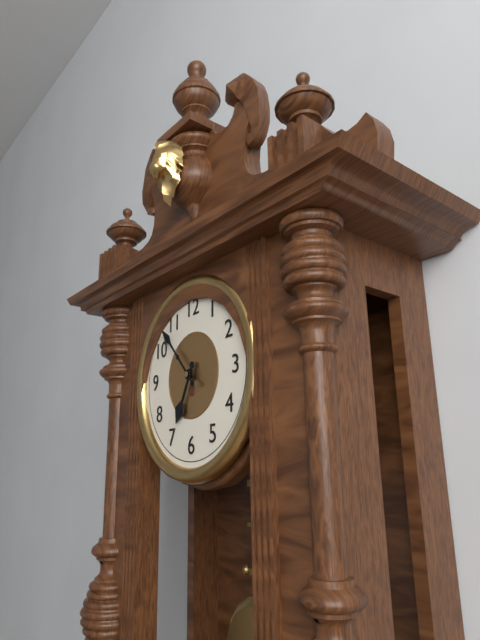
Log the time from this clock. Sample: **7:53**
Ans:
**6:53**
